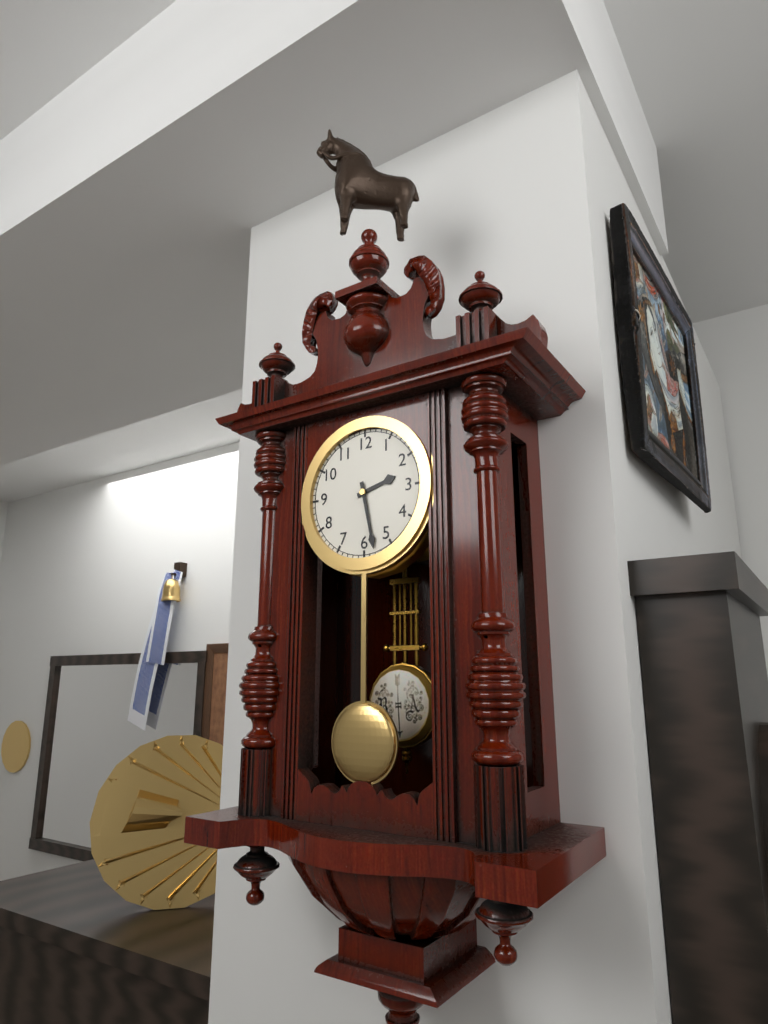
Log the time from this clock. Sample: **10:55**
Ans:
**2:28**
